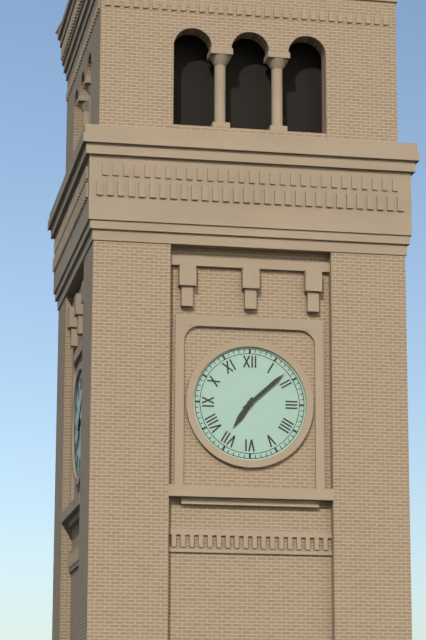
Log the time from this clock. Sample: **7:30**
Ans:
**7:08**
